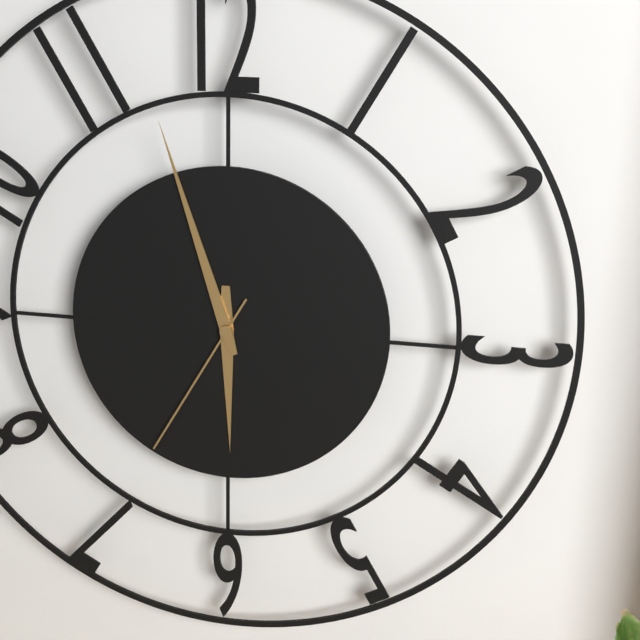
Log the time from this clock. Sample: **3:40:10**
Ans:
**5:57:35**
